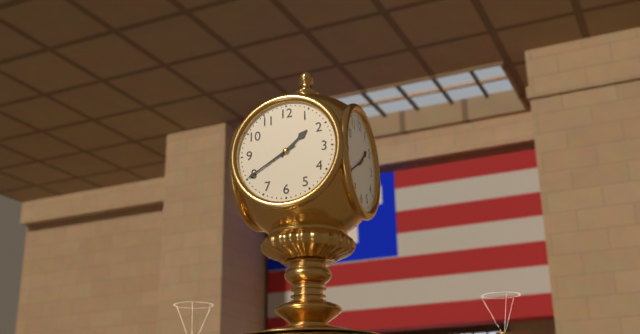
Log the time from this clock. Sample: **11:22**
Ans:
**1:40**
